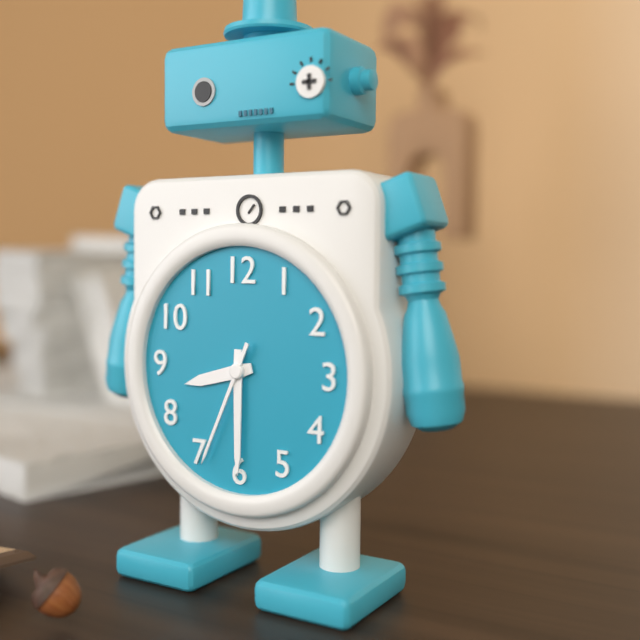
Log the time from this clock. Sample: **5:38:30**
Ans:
**8:30:34**
